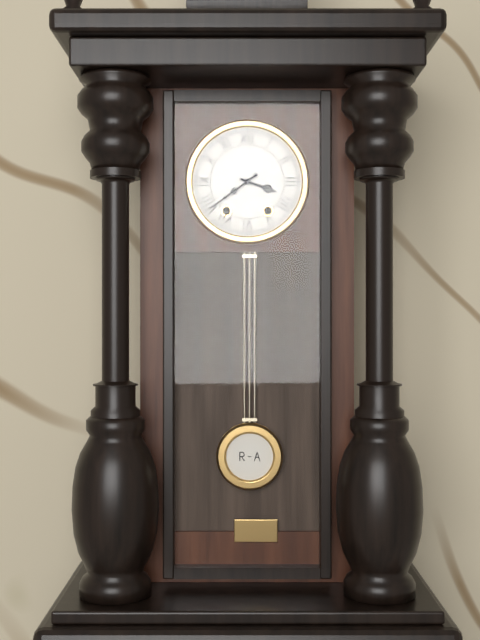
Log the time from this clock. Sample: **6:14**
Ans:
**3:39**
